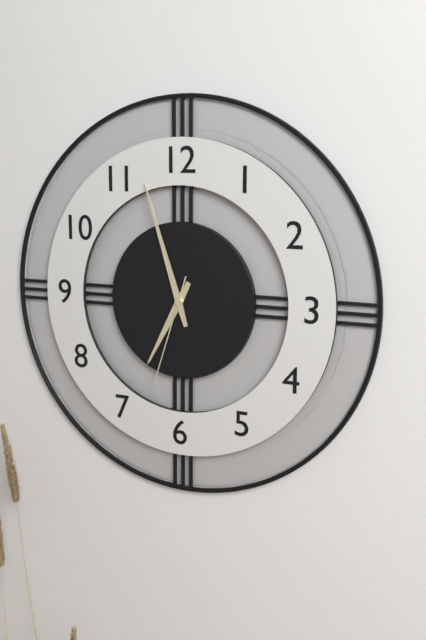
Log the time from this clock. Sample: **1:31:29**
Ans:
**6:57:33**
